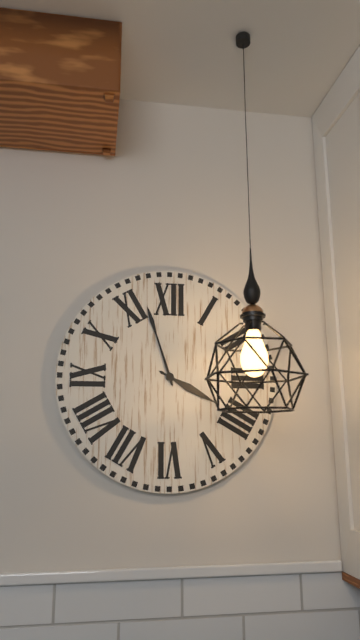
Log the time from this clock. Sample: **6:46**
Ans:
**3:57**
